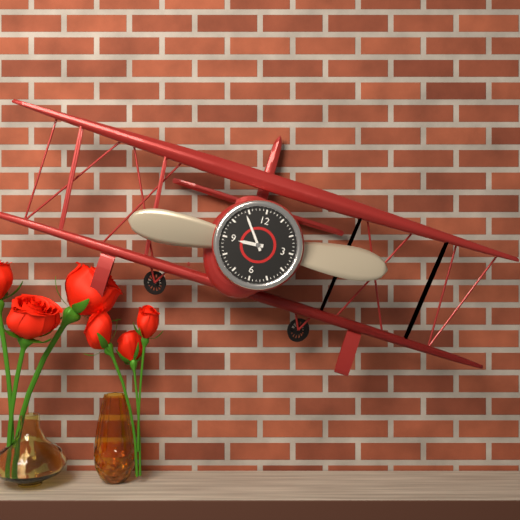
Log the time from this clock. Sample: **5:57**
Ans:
**8:54**
